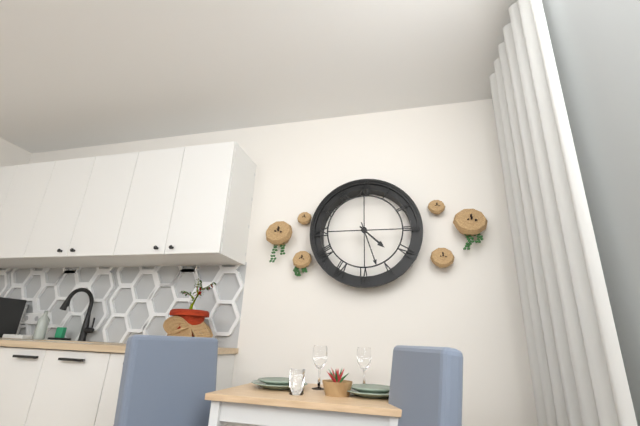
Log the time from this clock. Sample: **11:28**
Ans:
**4:27**
